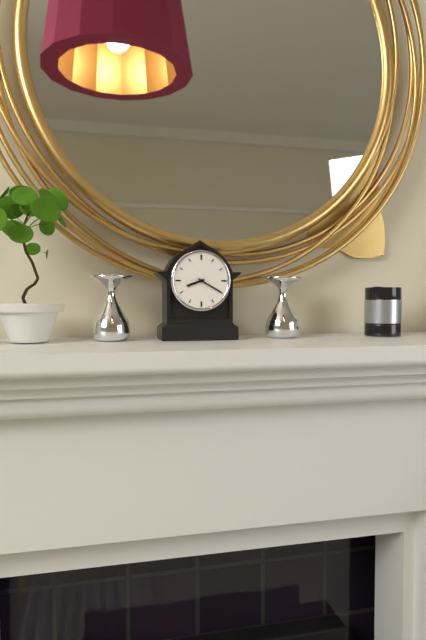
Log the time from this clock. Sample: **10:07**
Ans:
**8:20**
